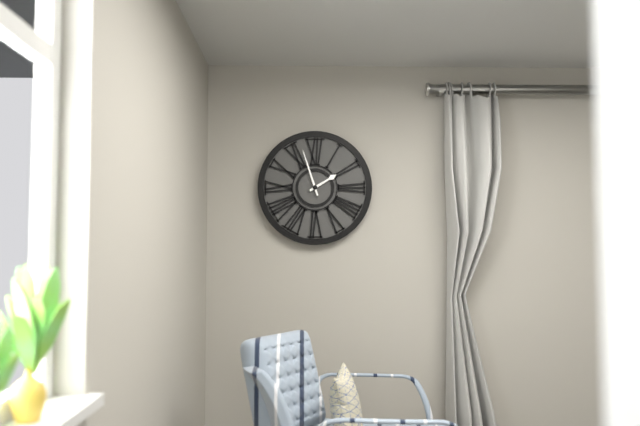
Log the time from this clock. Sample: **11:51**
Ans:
**1:57**
